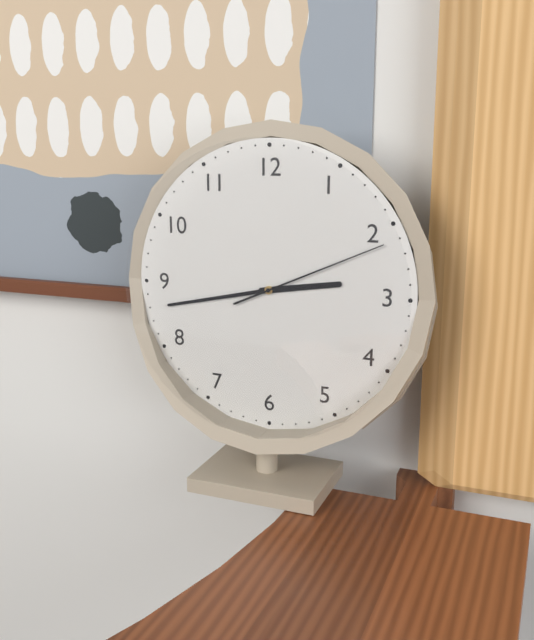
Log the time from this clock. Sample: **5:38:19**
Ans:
**2:43:11**
